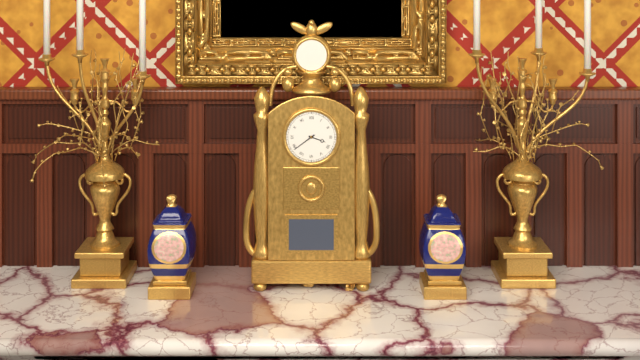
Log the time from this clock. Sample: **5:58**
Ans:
**3:39**
